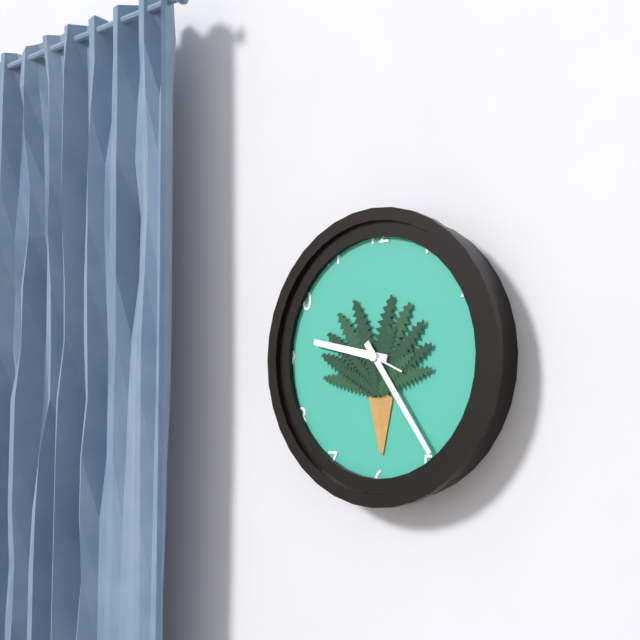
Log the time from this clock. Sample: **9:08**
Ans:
**9:24**
